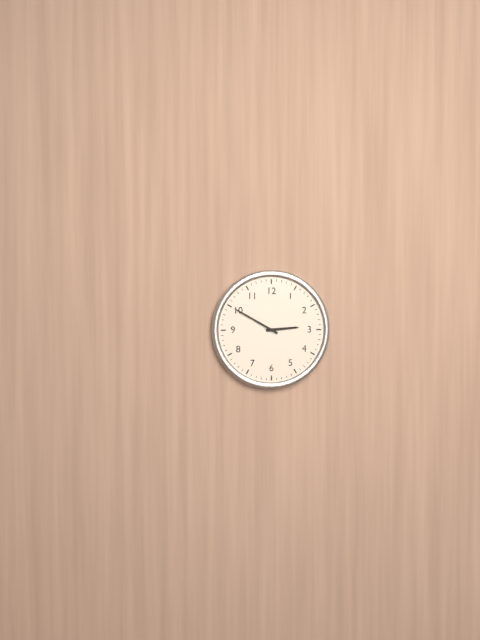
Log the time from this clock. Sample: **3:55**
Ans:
**2:50**
